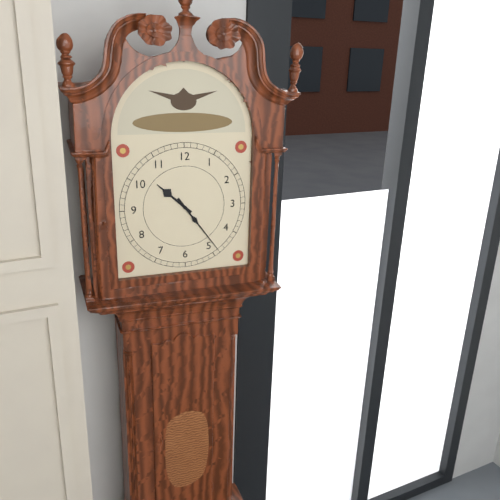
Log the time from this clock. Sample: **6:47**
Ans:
**10:24**
